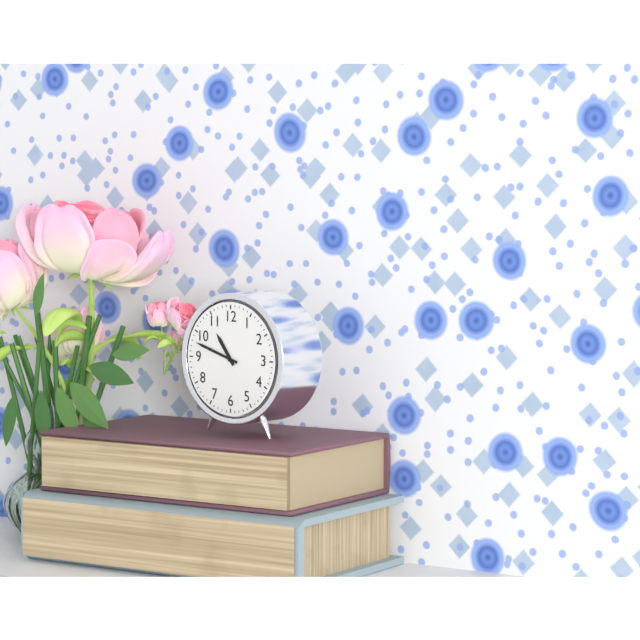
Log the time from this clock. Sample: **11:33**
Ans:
**10:48**
